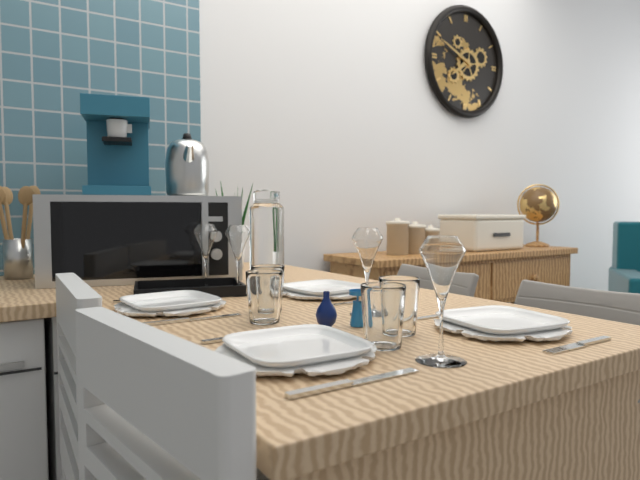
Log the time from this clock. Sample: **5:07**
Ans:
**7:49**
